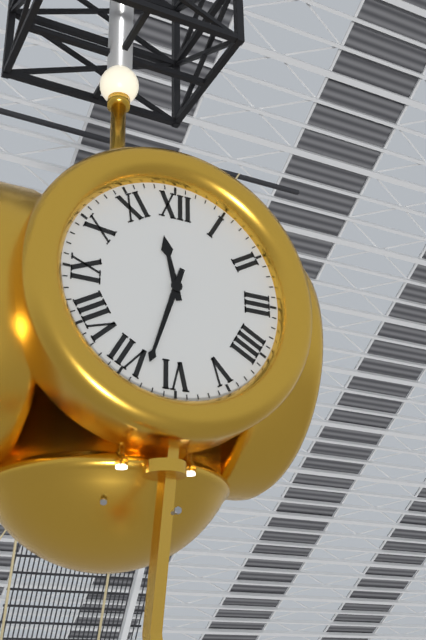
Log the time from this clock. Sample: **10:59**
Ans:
**11:33**
